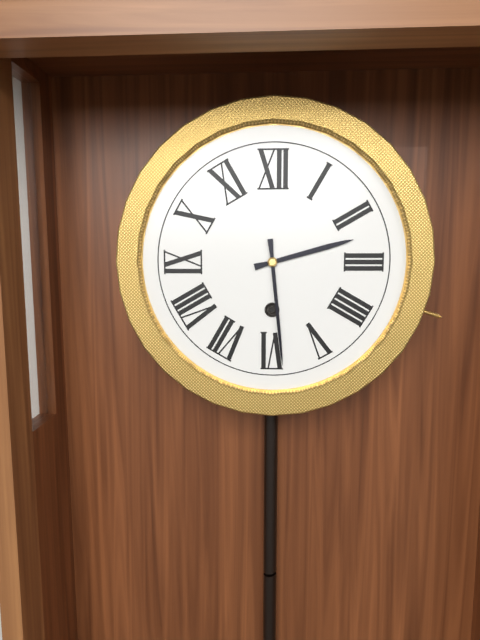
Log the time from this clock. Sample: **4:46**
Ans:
**2:29**
